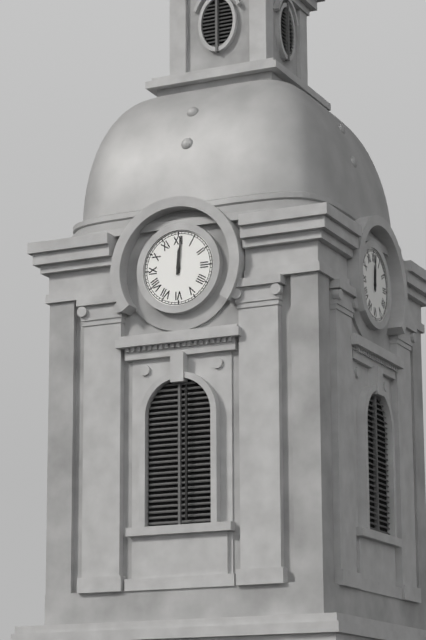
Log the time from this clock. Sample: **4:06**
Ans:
**12:01**
